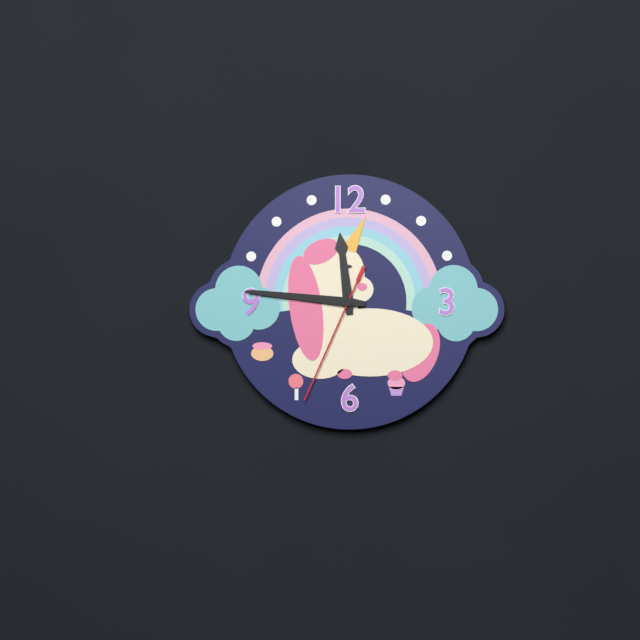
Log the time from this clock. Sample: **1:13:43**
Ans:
**11:46:34**
